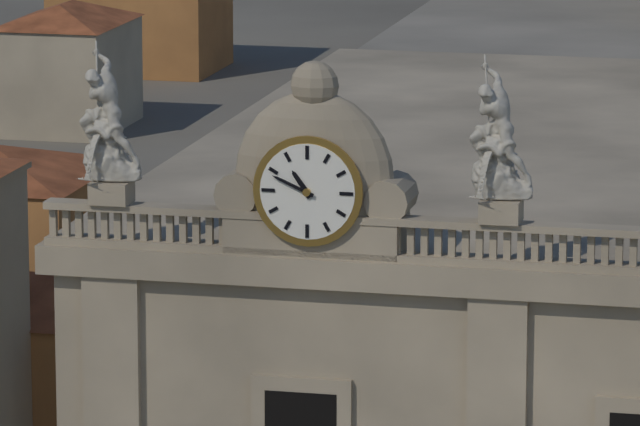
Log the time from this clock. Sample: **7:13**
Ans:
**10:49**
